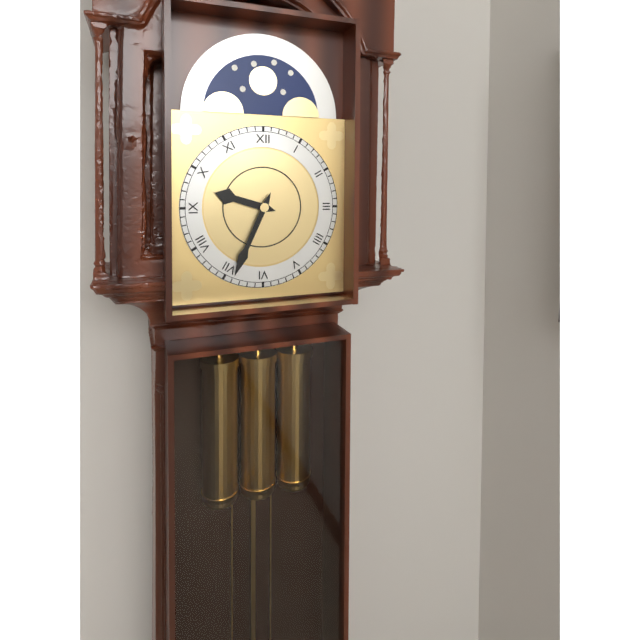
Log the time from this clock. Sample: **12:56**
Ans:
**9:34**
